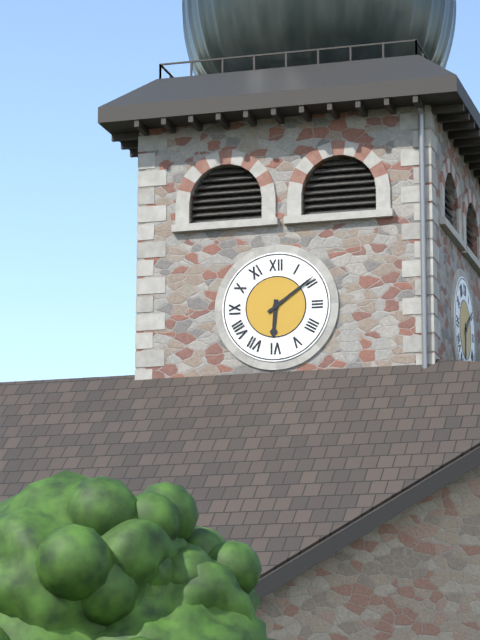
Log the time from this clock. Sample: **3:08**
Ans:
**6:09**
